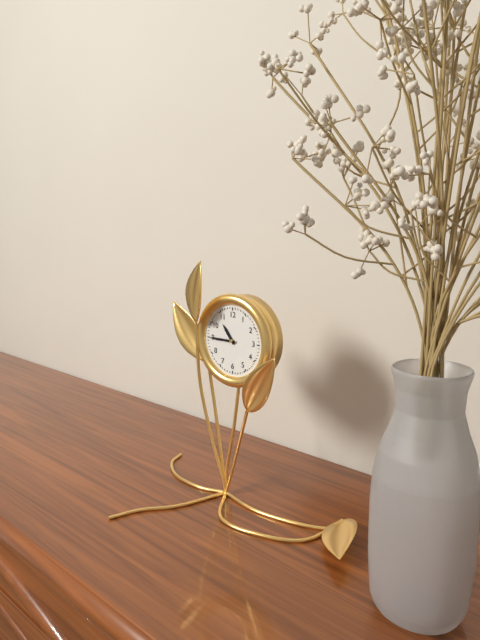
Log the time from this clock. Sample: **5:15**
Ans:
**10:45**
